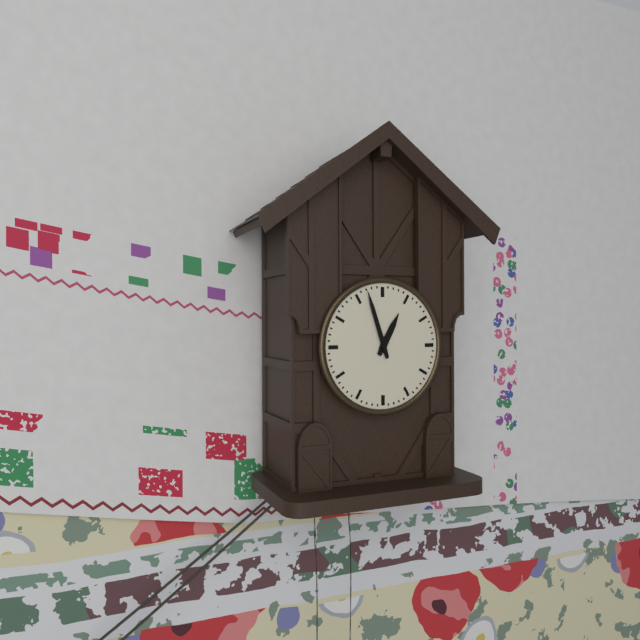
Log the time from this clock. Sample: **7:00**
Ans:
**12:57**
